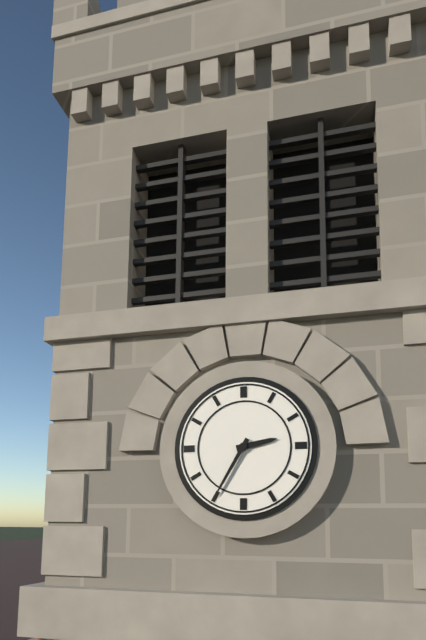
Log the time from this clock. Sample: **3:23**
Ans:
**2:35**
